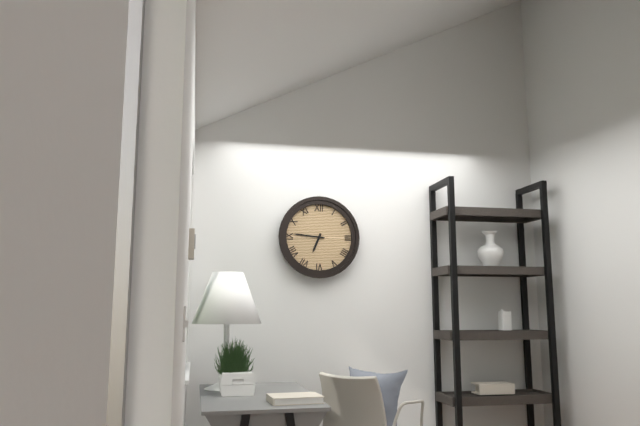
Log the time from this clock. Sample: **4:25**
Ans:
**6:46**
